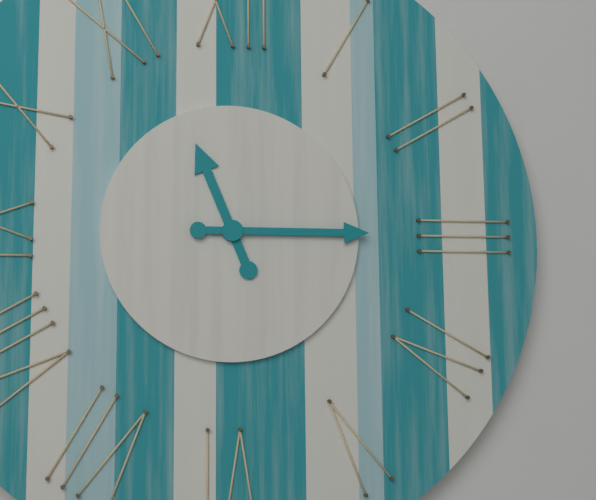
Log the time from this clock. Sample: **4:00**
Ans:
**11:15**
